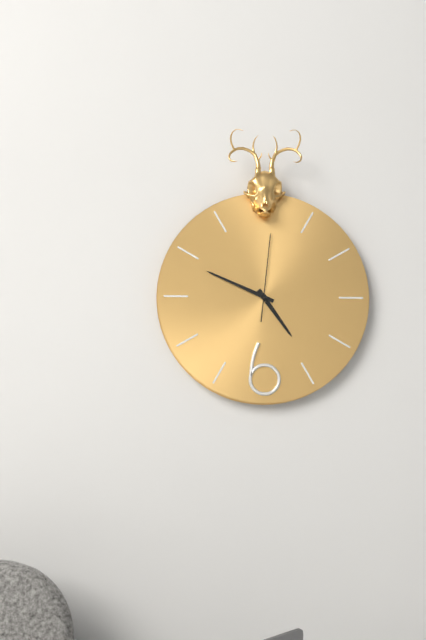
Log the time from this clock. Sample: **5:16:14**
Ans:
**4:49:01**
